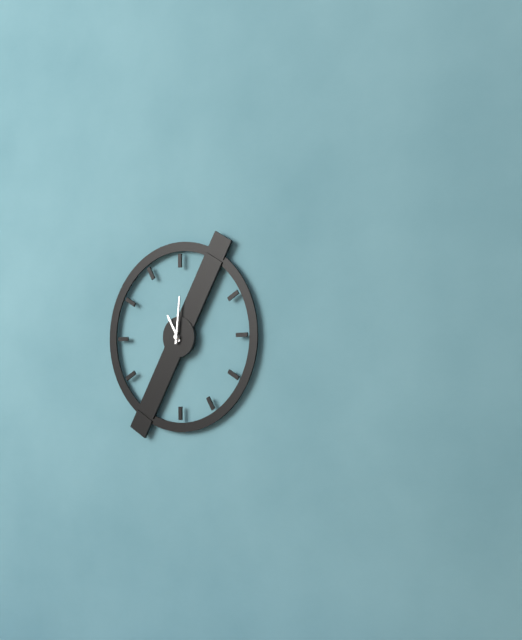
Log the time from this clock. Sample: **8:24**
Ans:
**11:01**
